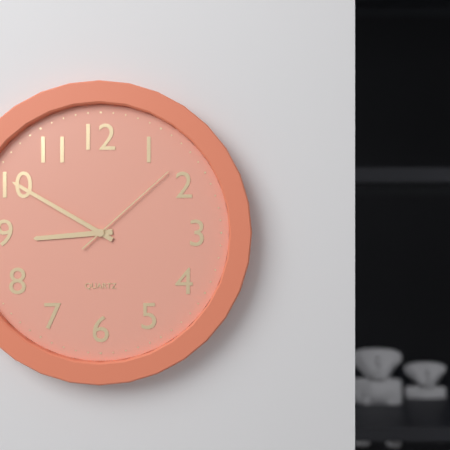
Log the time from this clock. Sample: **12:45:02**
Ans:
**8:50:08**
